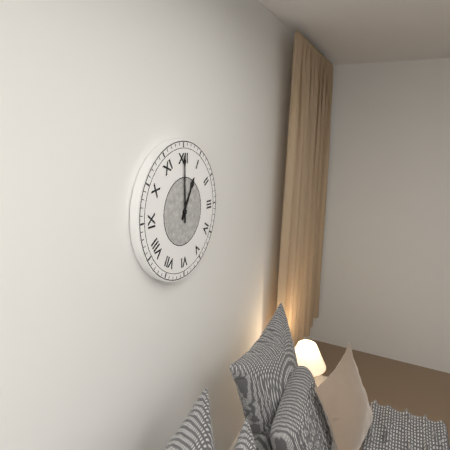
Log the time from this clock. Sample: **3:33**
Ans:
**1:00**
